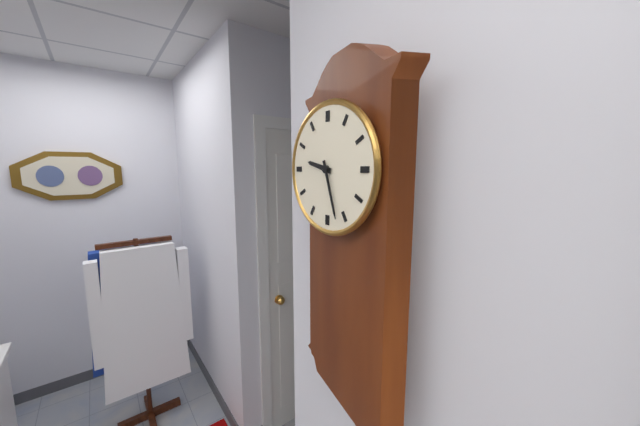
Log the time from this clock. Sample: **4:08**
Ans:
**9:27**
